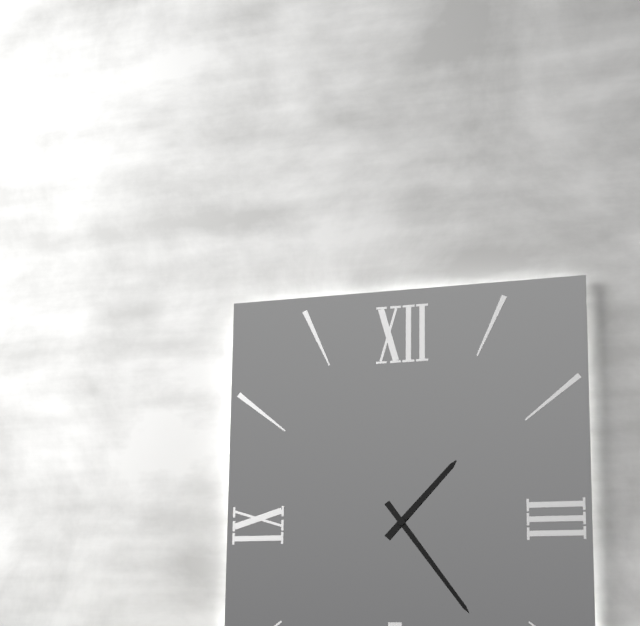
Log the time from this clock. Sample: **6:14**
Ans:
**1:24**
